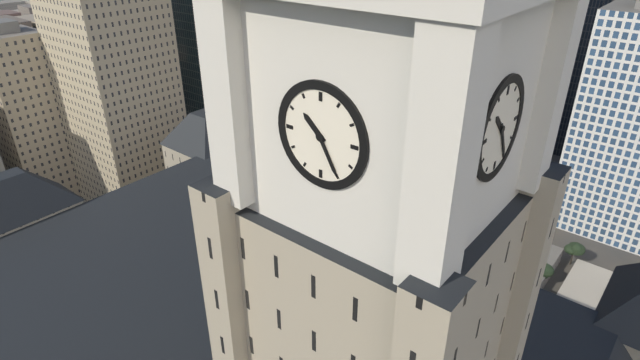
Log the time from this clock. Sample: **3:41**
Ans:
**10:25**
